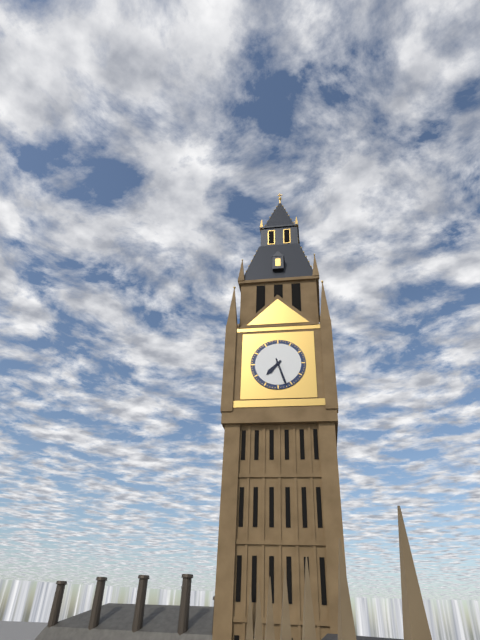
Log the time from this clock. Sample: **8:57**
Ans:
**7:27**
